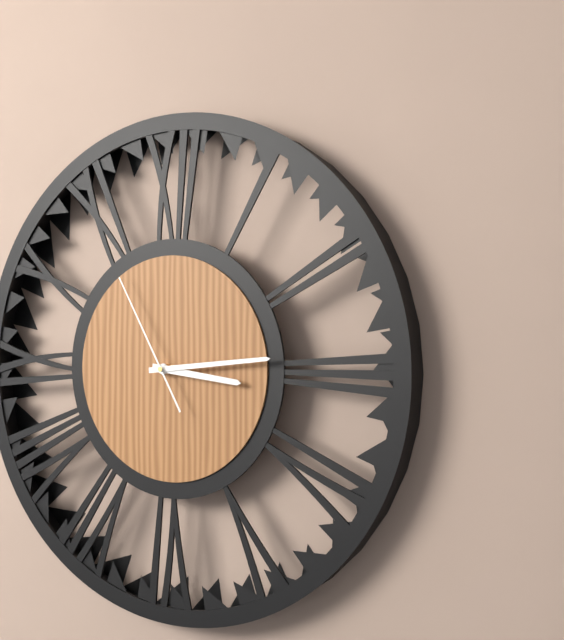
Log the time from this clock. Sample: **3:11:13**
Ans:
**3:14:55**
